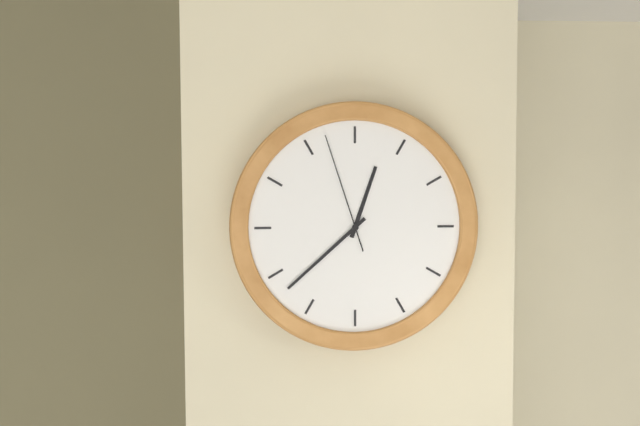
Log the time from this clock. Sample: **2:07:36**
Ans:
**12:38:57**
